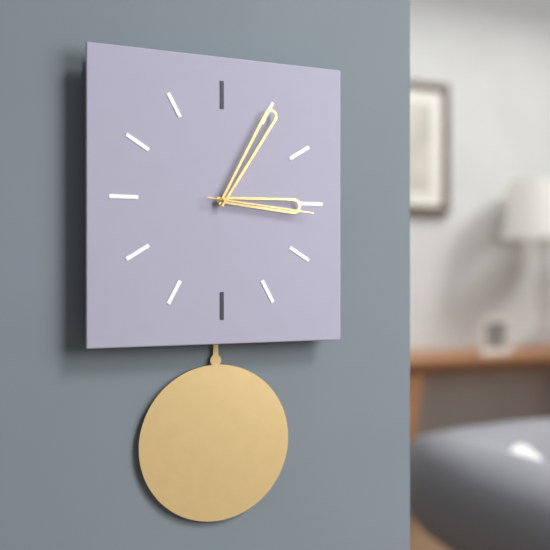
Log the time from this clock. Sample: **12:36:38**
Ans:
**3:05:16**
